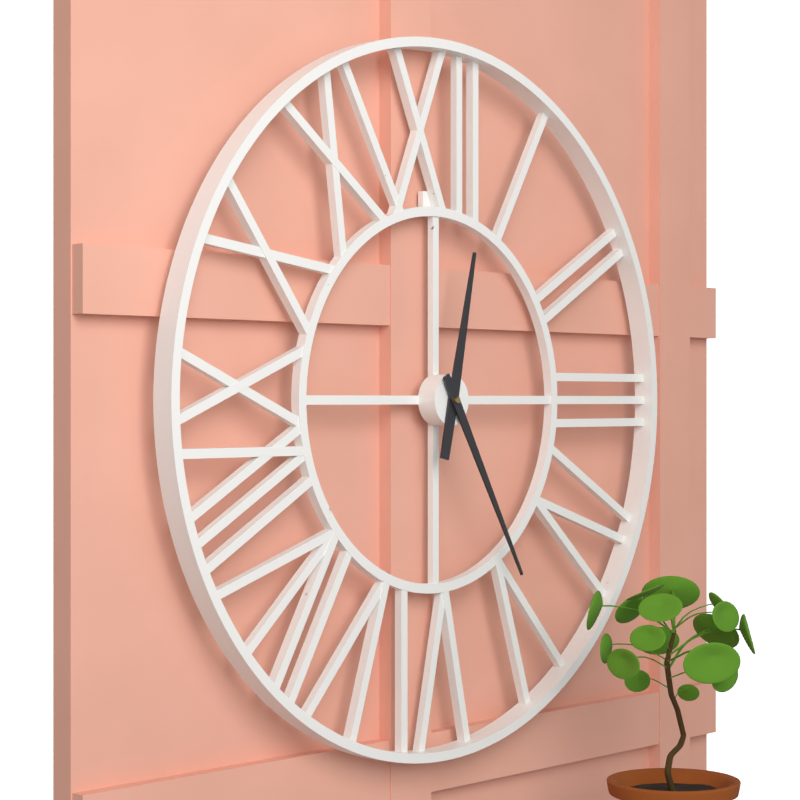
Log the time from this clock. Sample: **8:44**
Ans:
**12:25**
